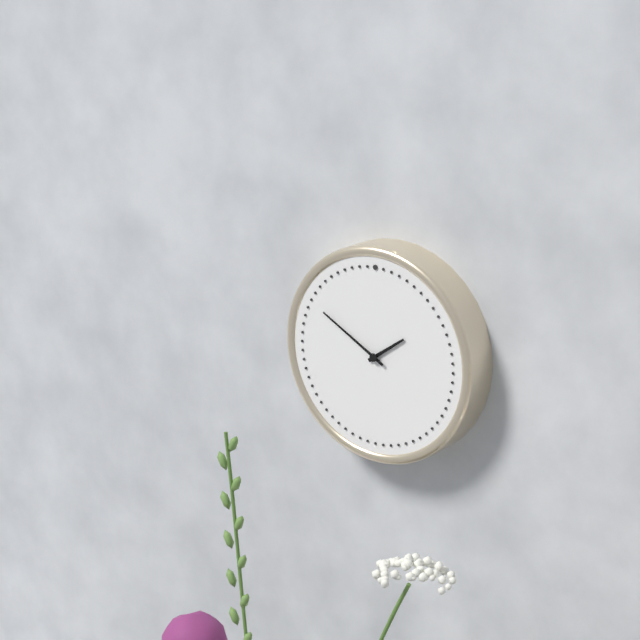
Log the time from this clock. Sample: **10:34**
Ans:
**1:50**
